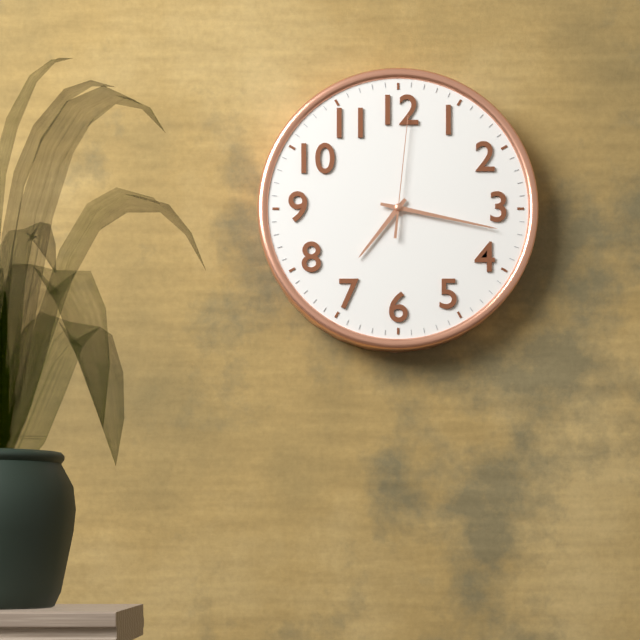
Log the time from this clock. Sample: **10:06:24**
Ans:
**7:17:01**
